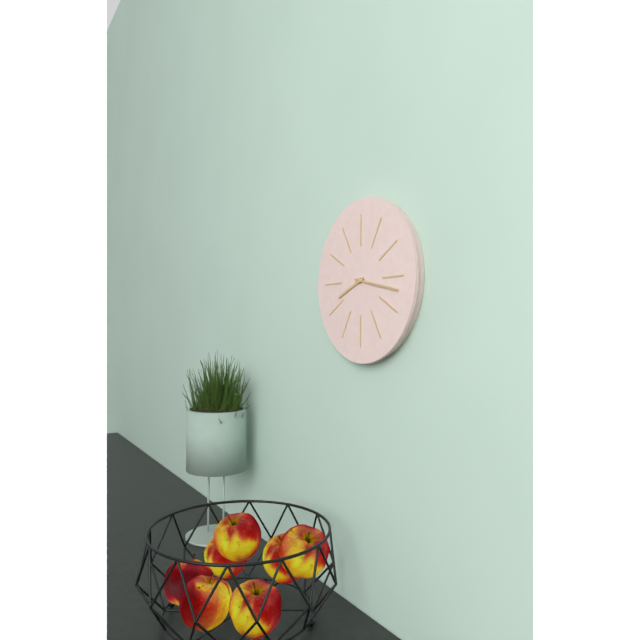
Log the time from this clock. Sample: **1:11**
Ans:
**8:17**
